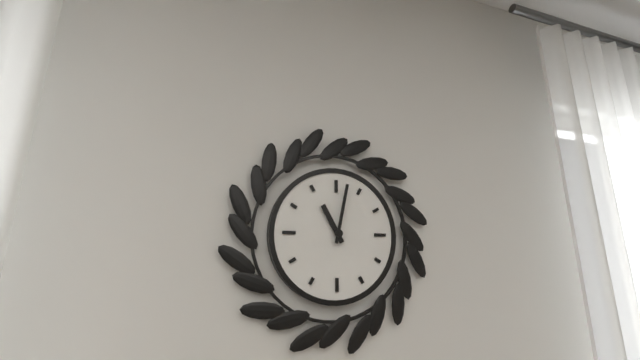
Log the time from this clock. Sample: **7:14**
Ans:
**11:02**
